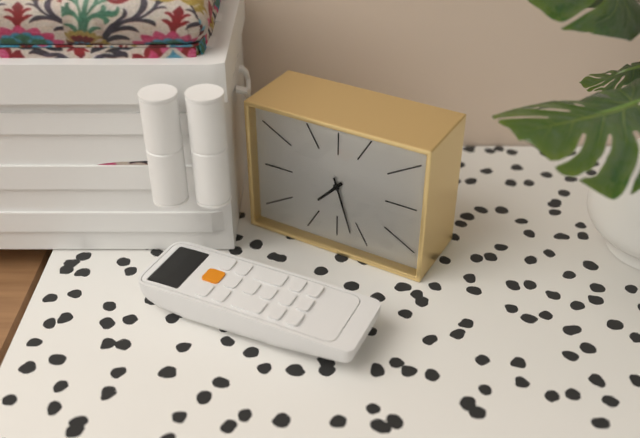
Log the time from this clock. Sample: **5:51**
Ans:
**7:27**
